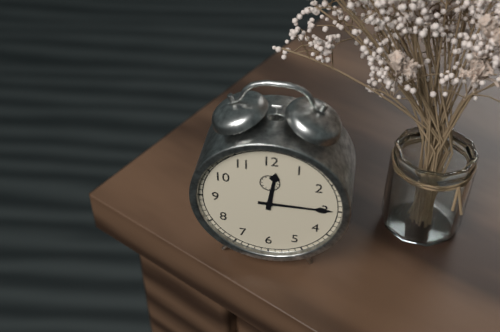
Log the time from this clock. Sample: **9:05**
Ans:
**12:15**
